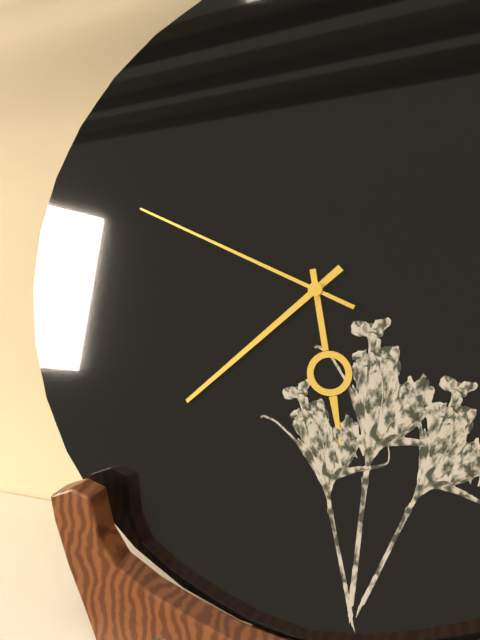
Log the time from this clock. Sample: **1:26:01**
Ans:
**5:38:49**
